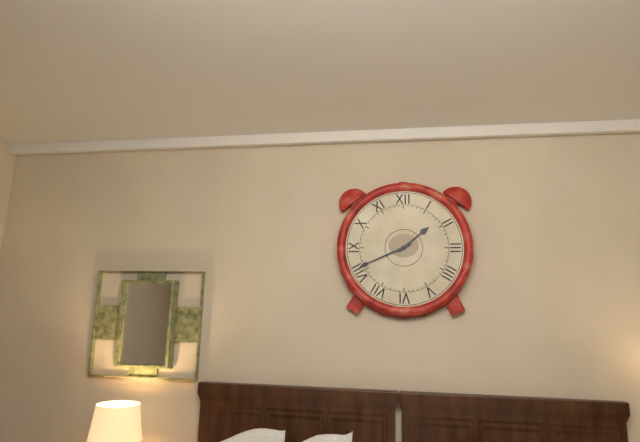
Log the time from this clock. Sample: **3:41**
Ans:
**1:41**
